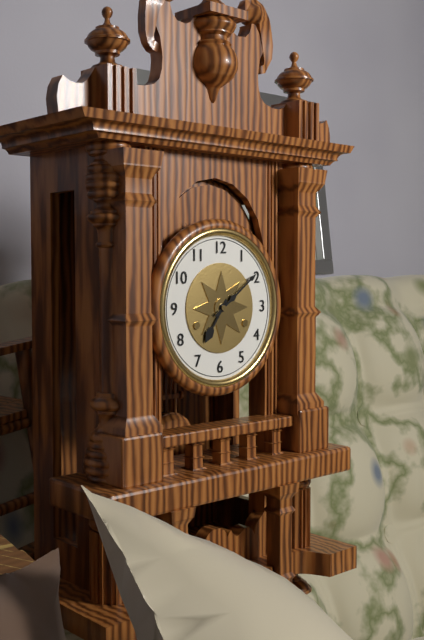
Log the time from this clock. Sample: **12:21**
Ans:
**7:09**
